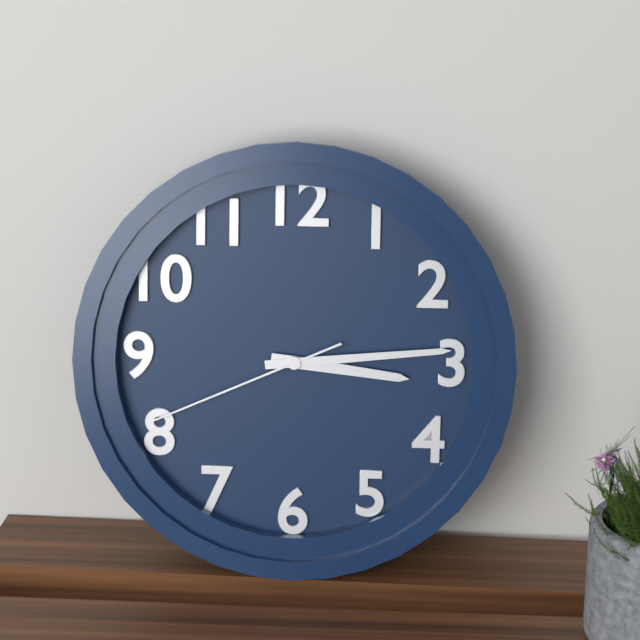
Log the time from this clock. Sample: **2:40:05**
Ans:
**3:14:41**
